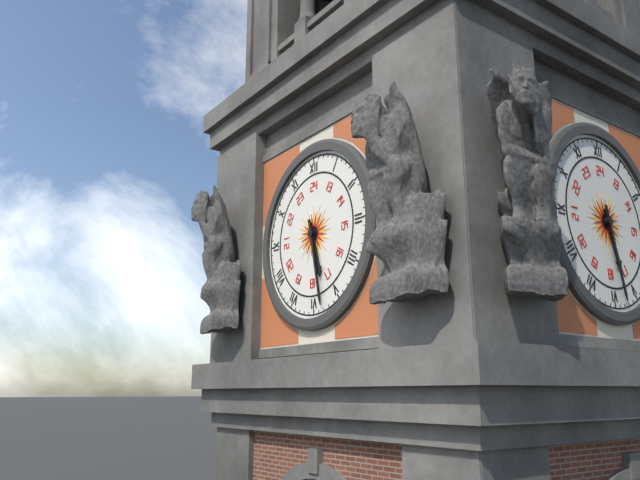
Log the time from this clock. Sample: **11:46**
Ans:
**5:28**
